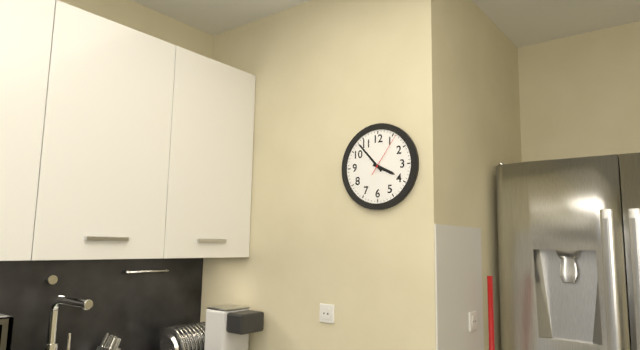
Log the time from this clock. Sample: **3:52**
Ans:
**3:53**
